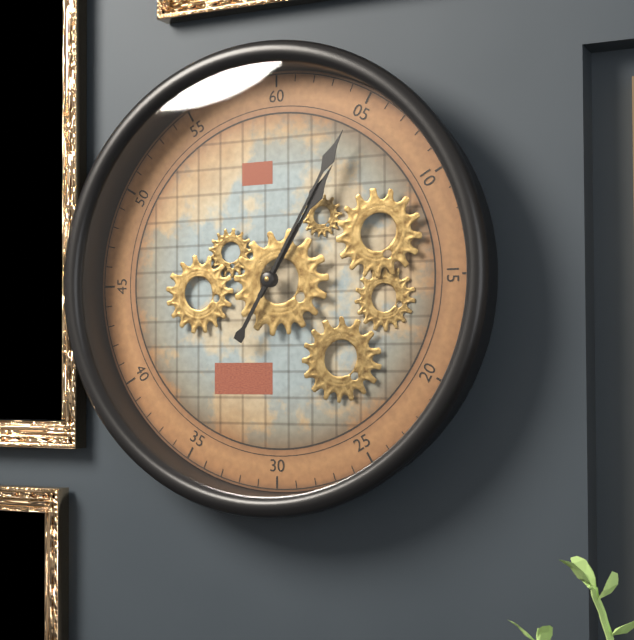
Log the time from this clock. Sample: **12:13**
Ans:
**1:05**
